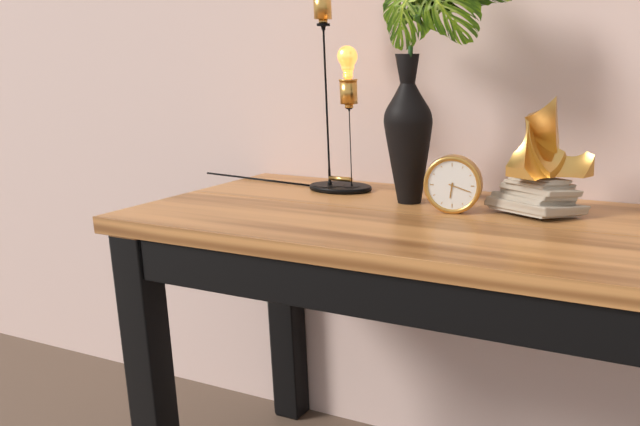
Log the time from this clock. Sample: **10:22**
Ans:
**6:18**
